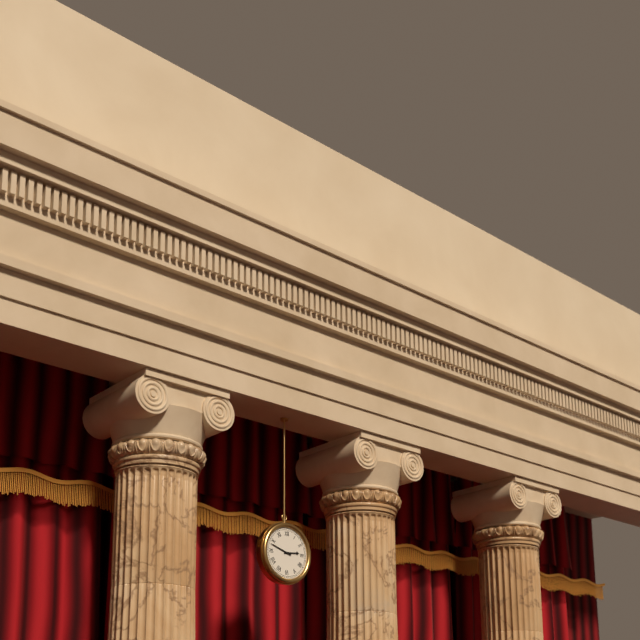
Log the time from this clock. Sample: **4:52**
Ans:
**2:48**
